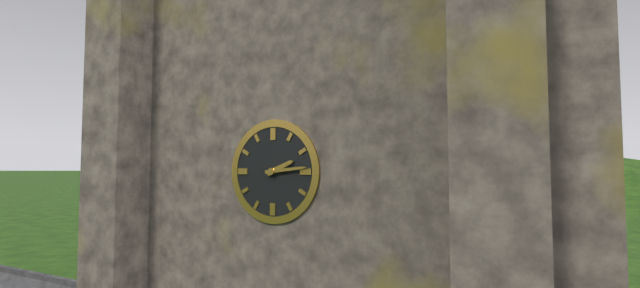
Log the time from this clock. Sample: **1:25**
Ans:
**2:14**
